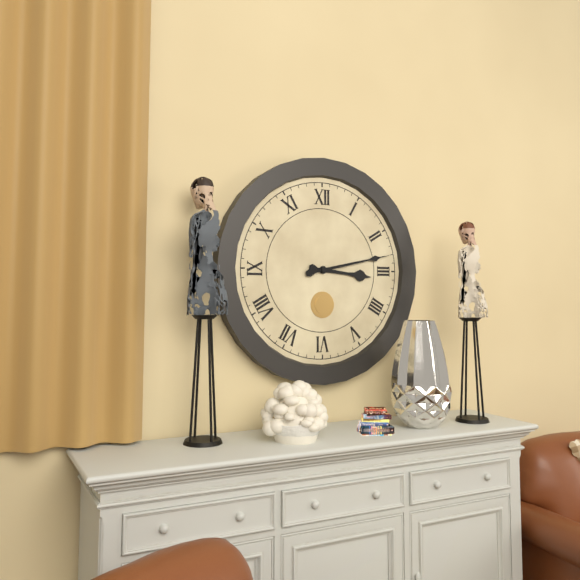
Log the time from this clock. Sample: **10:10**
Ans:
**3:13**
